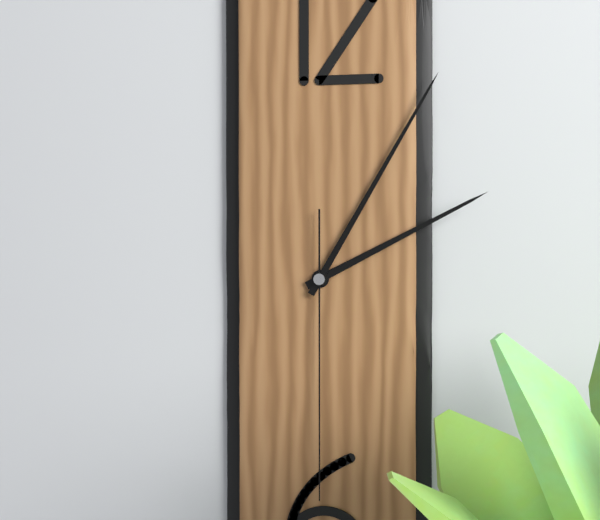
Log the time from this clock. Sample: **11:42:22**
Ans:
**2:05:30**
